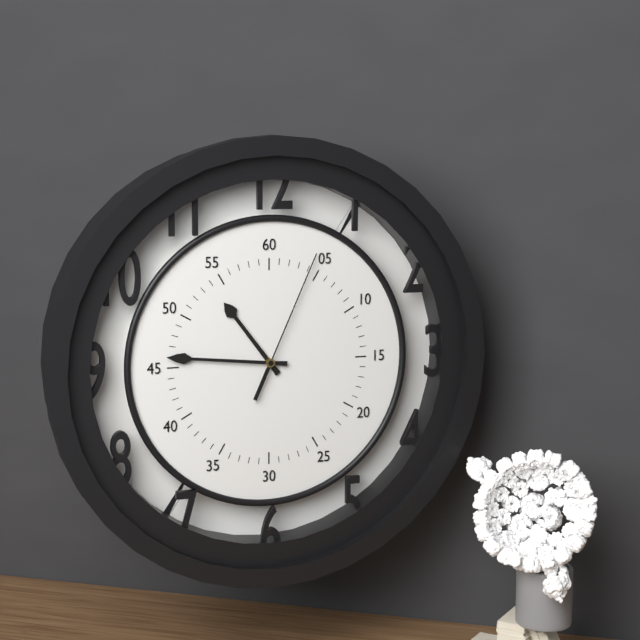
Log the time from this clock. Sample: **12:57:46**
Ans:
**10:46:04**
